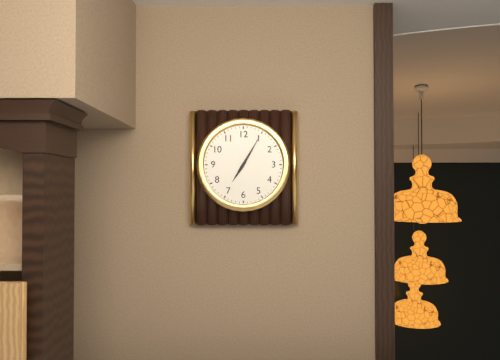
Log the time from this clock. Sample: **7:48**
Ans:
**7:05**
